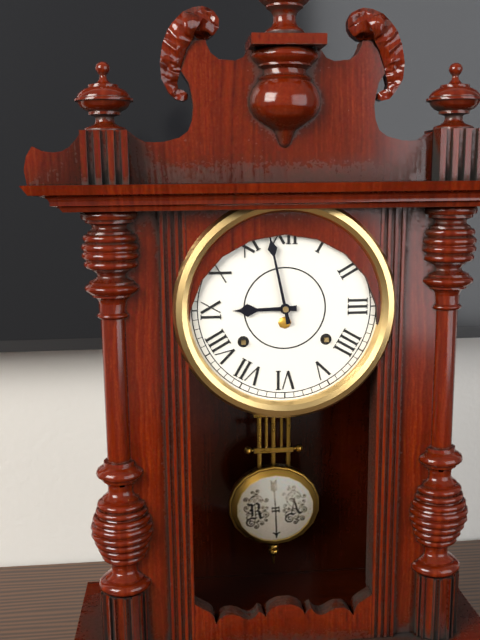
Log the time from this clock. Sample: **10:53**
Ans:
**8:58**
